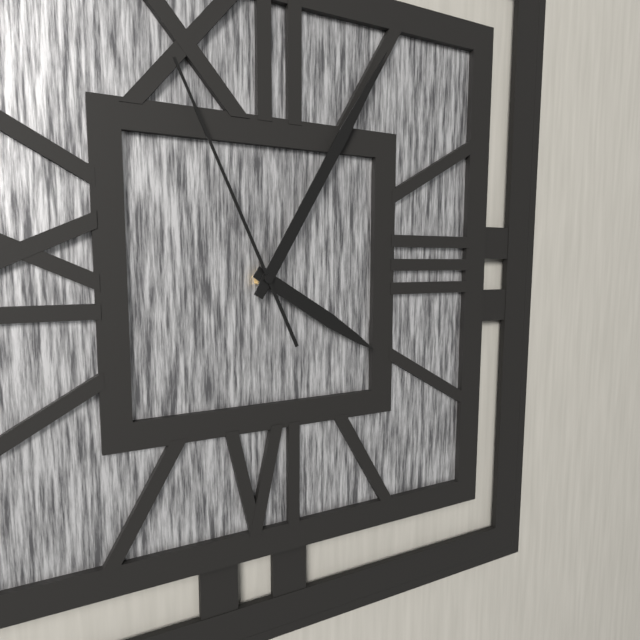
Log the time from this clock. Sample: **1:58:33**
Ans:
**4:05:56**
